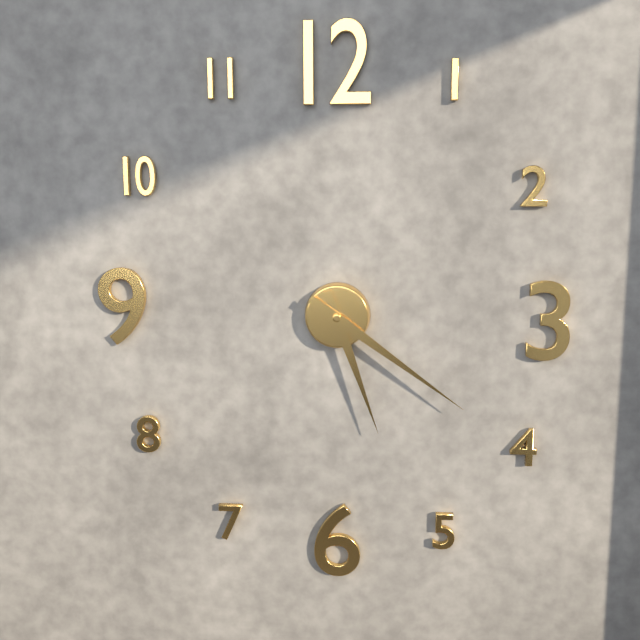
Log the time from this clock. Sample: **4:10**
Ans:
**5:21**
